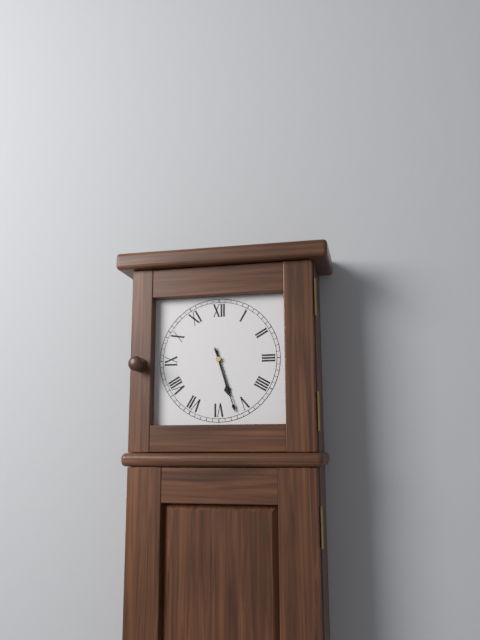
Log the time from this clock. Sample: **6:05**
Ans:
**5:27**
